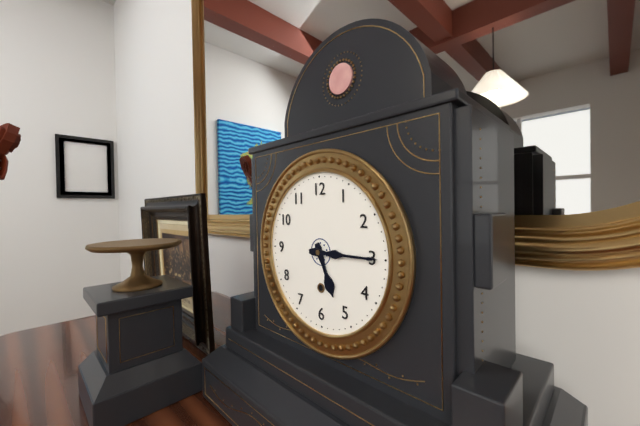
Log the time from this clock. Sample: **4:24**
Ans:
**5:15**
